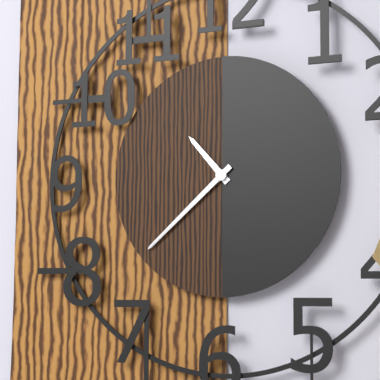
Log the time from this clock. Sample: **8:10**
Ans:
**10:38**
